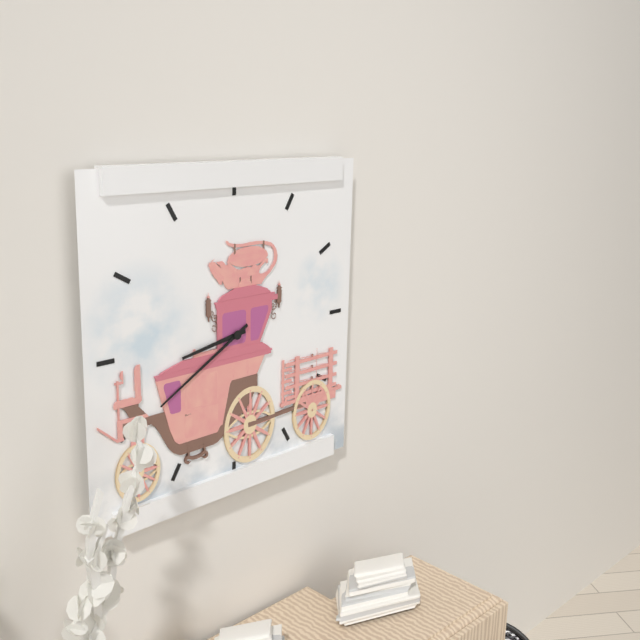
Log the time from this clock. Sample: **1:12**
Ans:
**8:40**
